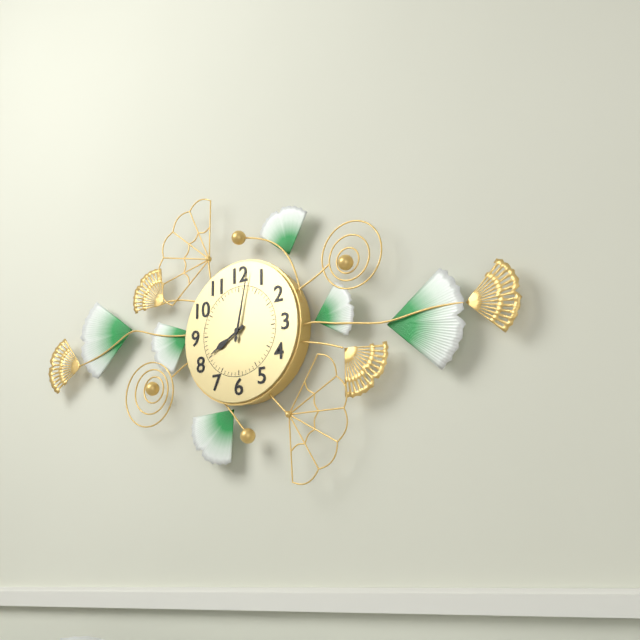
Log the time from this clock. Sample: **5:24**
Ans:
**8:02**
